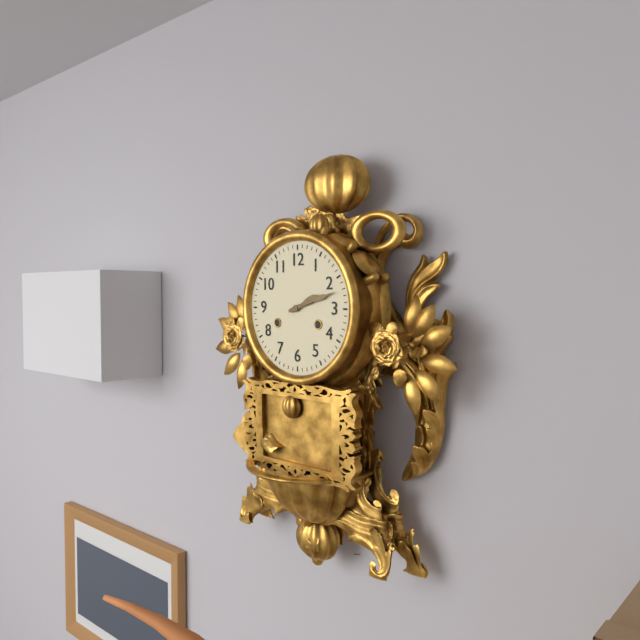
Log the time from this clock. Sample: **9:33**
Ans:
**2:12**
